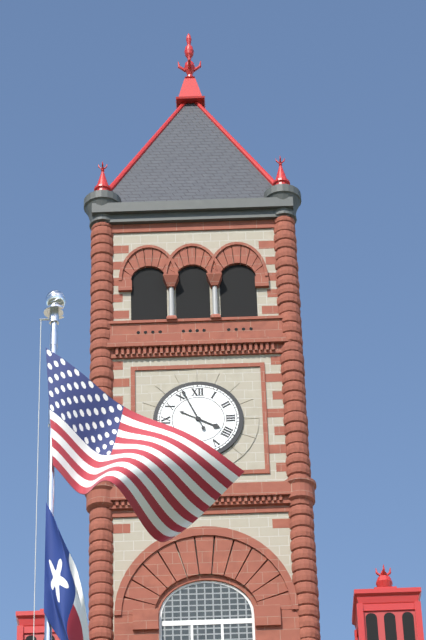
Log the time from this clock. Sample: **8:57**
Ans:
**3:56**
